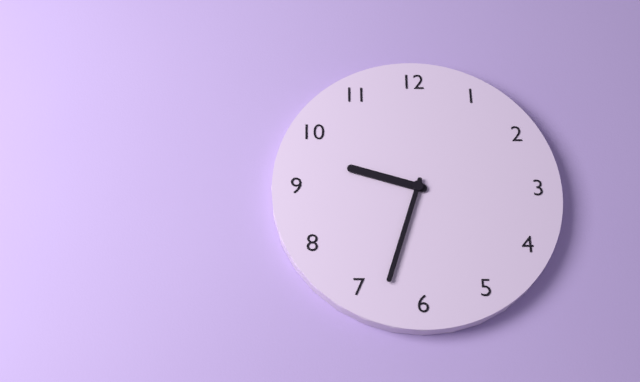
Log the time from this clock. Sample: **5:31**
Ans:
**9:33**
